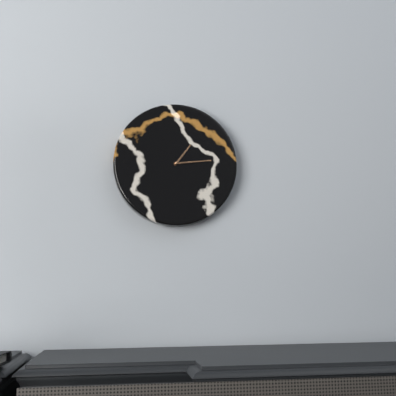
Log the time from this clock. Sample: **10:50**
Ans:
**1:14**
